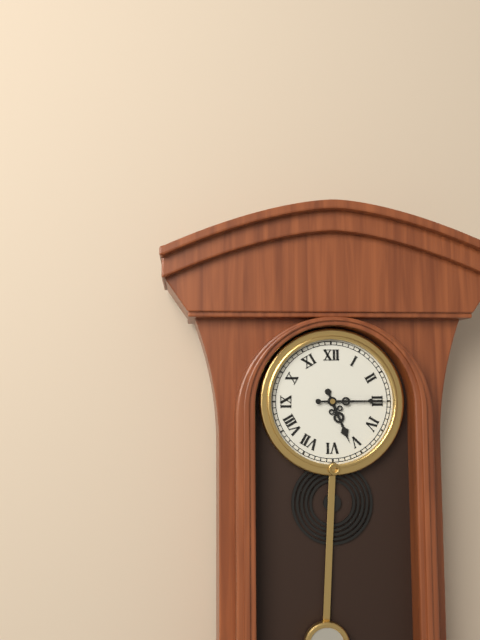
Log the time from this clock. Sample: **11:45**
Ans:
**5:15**
